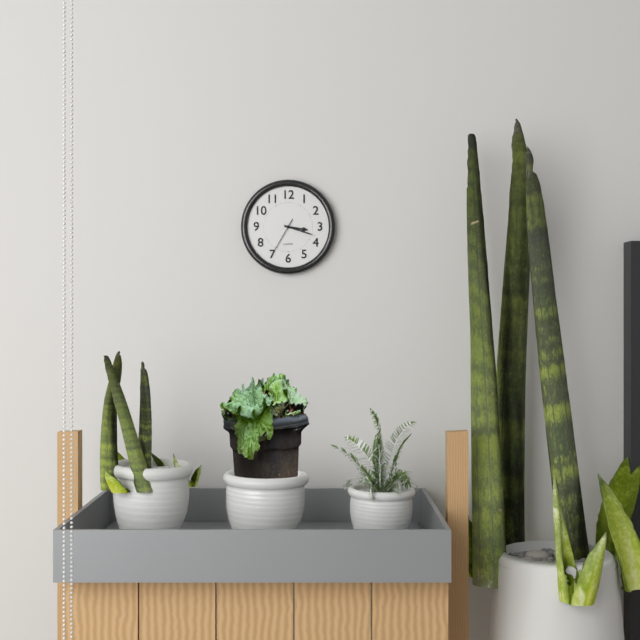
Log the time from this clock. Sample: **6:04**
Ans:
**3:18**
